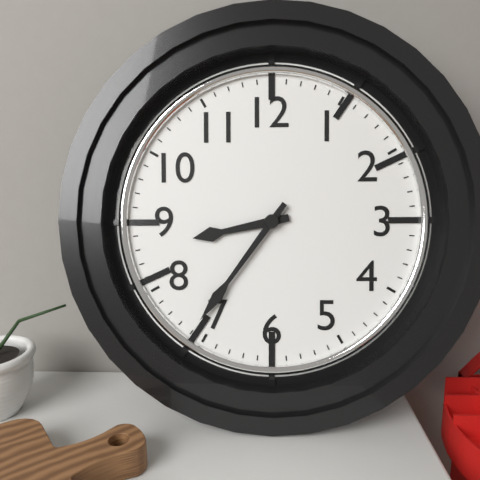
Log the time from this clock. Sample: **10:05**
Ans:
**8:36**
